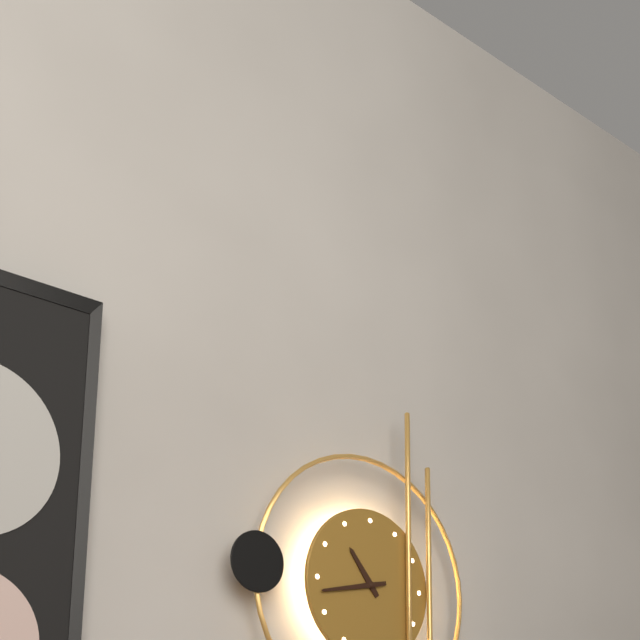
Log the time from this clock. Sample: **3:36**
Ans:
**10:43**
